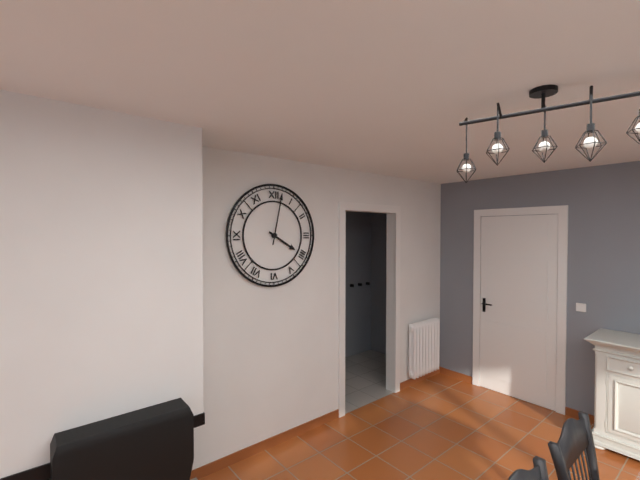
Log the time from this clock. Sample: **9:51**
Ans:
**4:02**
